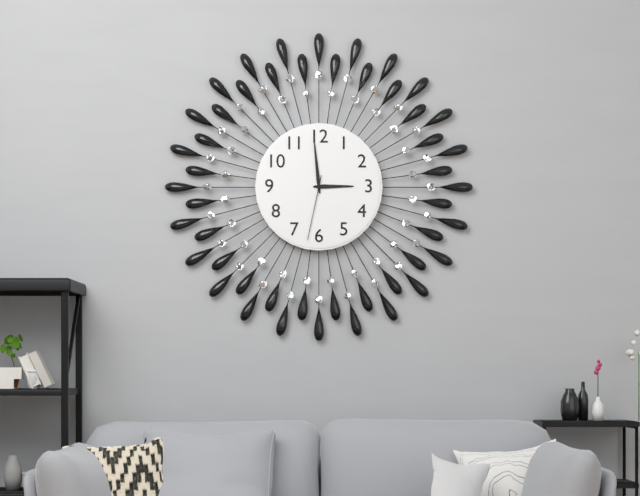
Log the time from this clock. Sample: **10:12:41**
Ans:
**2:59:32**
